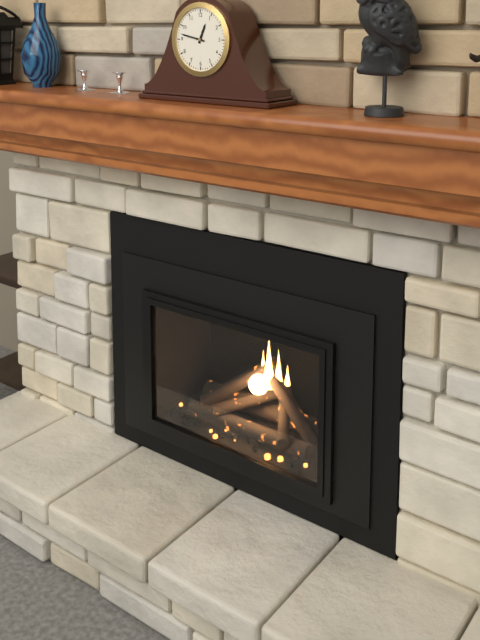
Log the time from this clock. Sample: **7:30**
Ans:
**12:47**
